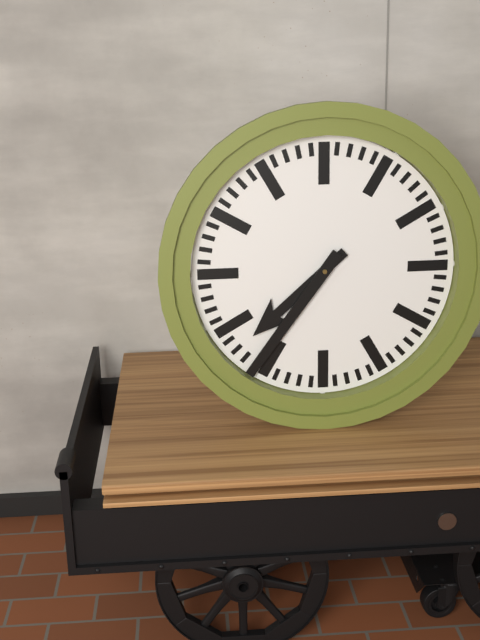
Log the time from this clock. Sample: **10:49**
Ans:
**7:36**
